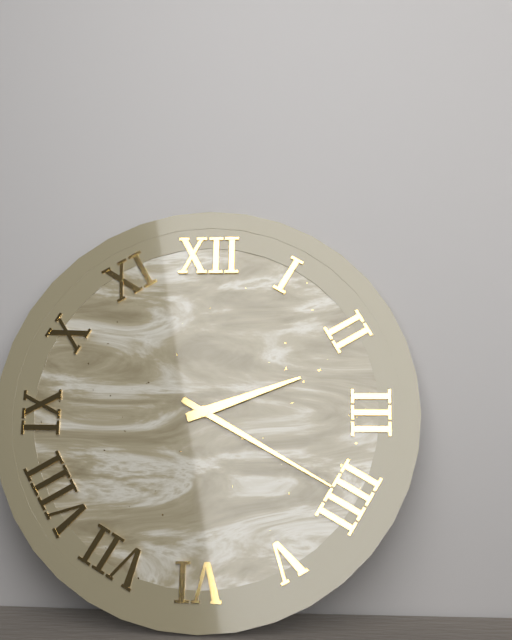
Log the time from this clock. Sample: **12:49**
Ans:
**2:20**
